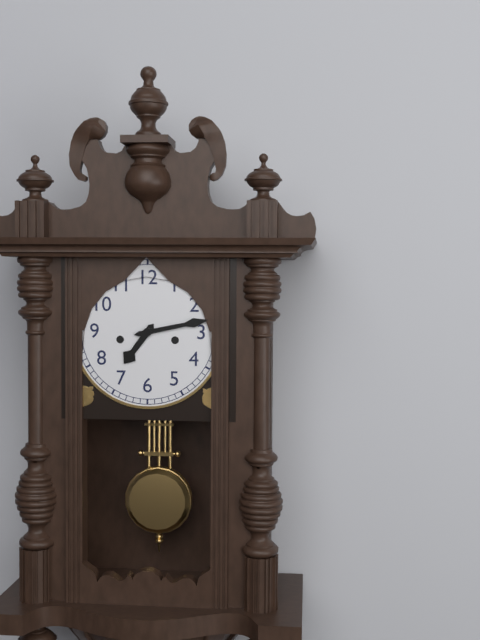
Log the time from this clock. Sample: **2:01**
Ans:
**7:13**
